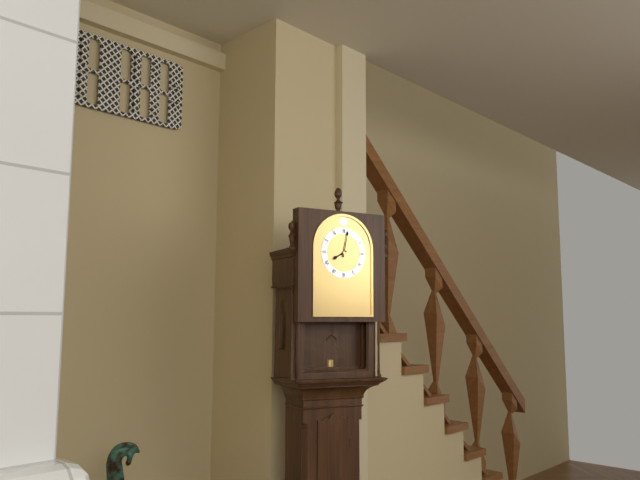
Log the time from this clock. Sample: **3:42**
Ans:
**8:02**
